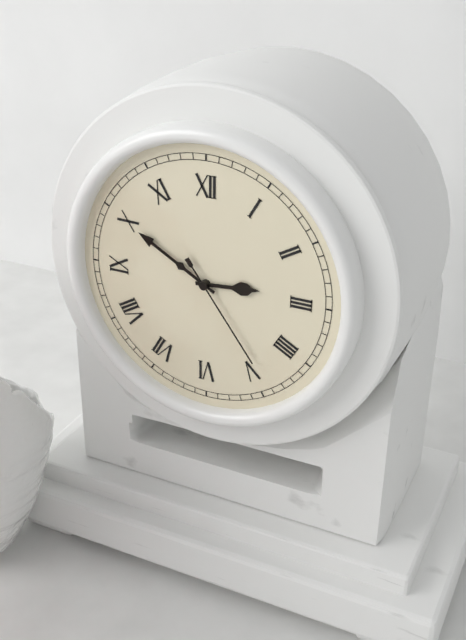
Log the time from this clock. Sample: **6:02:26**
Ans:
**2:50:24**
